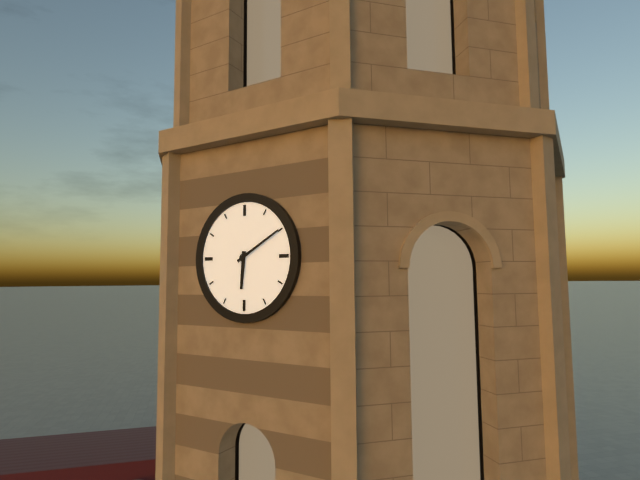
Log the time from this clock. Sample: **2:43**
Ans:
**6:10**
